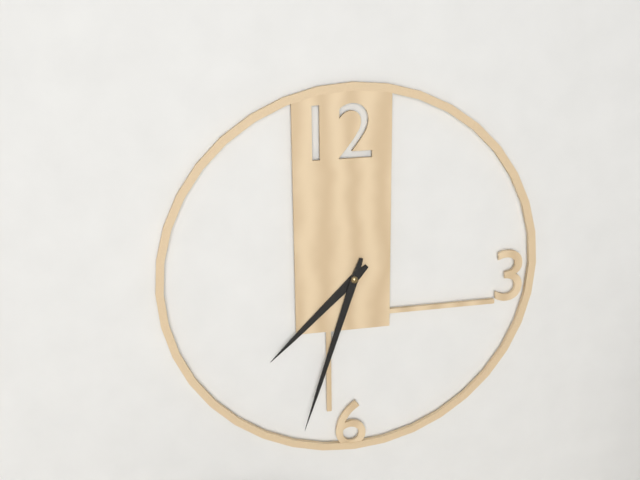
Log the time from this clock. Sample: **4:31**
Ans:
**7:33**
